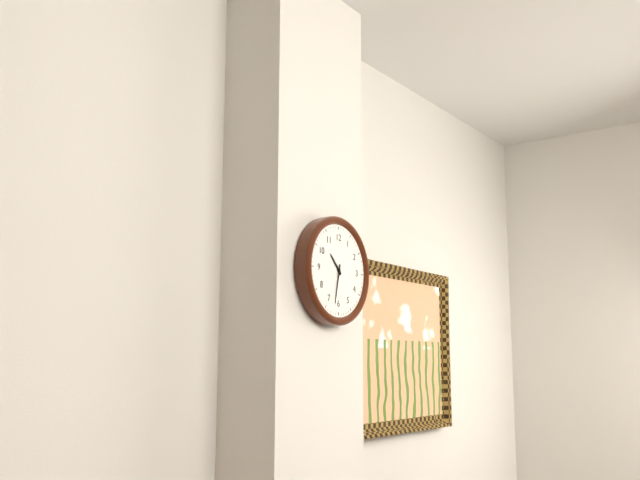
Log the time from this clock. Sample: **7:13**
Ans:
**10:32**
